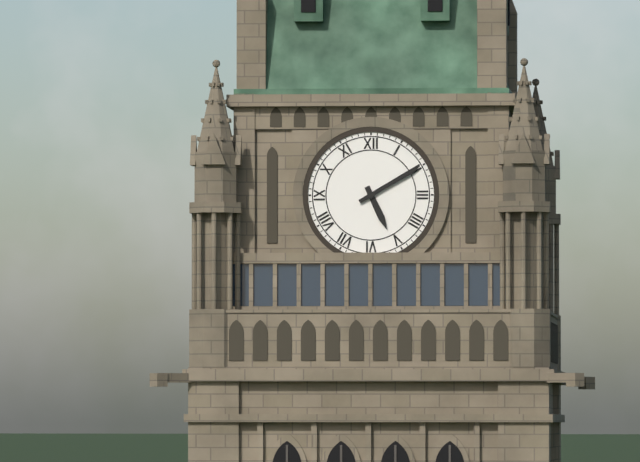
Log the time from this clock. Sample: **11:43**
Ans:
**5:10**
